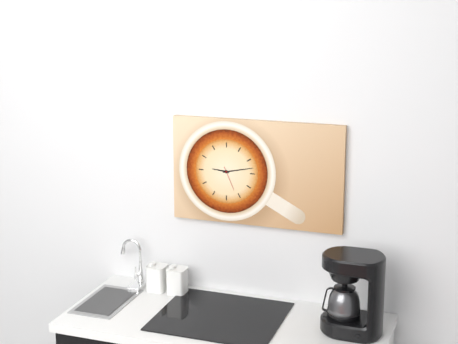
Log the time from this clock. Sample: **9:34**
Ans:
**9:13**
